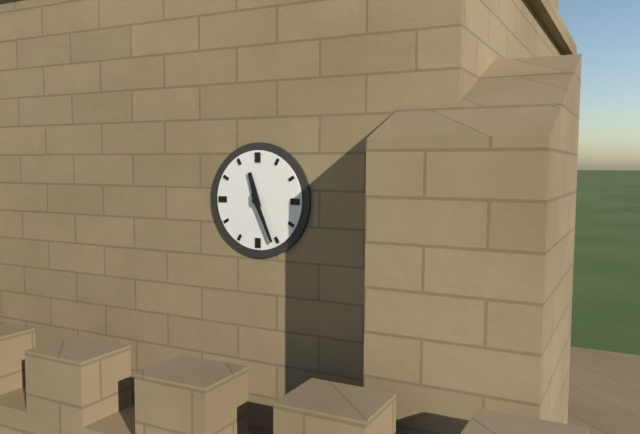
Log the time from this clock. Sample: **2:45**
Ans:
**11:26**
